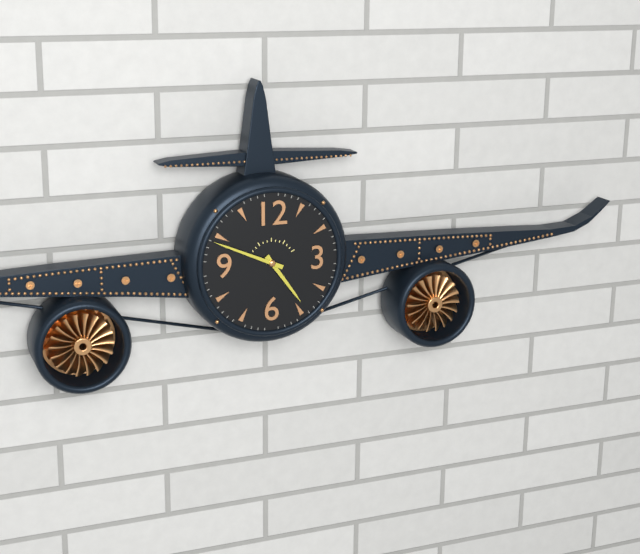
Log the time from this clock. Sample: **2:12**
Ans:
**4:49**
